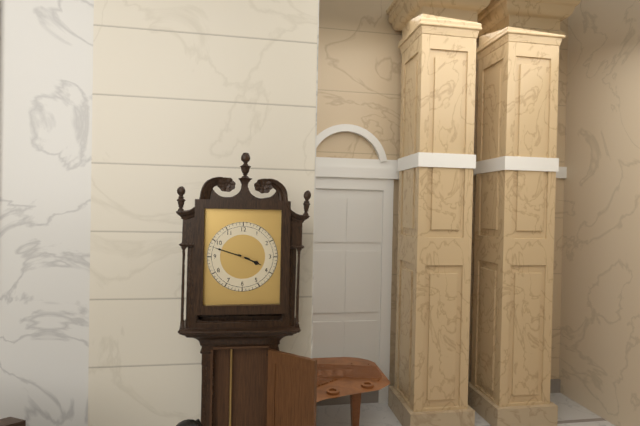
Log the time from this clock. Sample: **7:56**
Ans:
**3:48**
